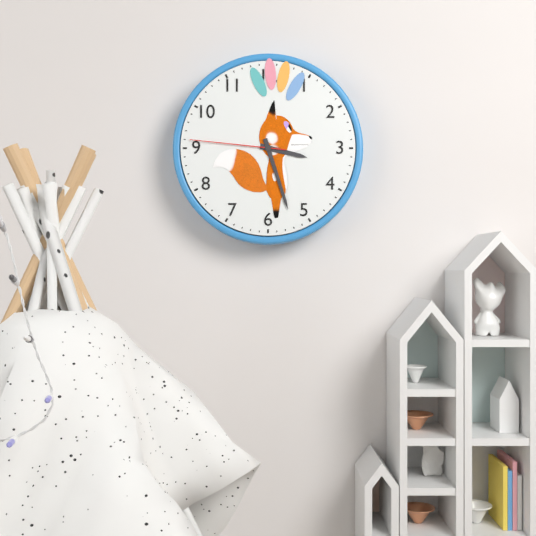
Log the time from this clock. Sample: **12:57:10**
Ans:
**3:27:46**
